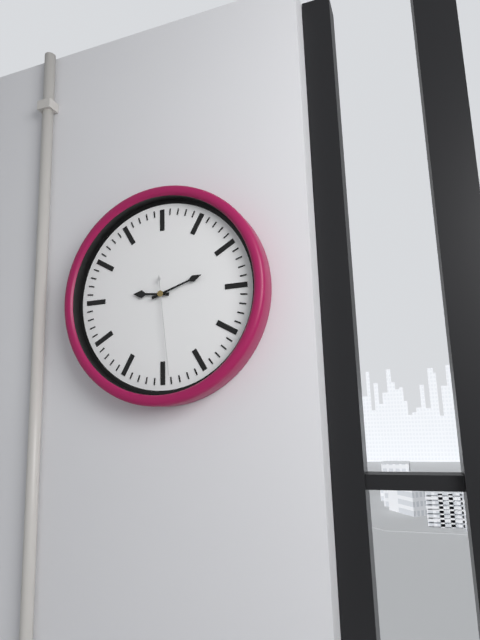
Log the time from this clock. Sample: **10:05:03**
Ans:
**9:12:29**
